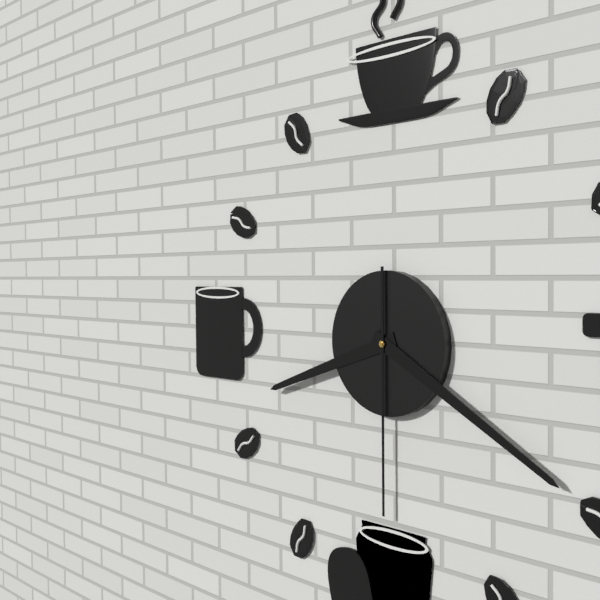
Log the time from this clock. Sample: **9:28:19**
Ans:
**8:20:30**
